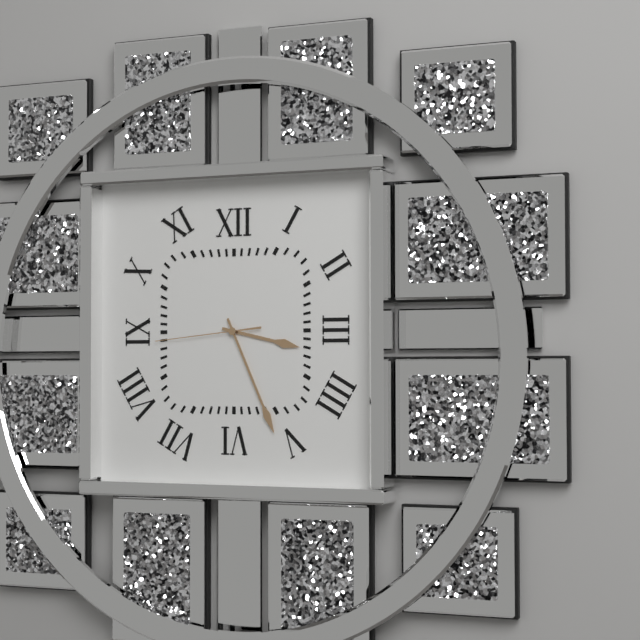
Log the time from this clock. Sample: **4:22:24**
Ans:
**3:26:44**
